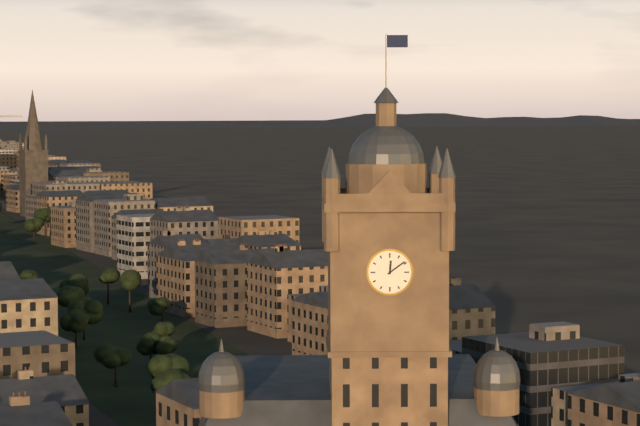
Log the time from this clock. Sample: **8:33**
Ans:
**12:09**
